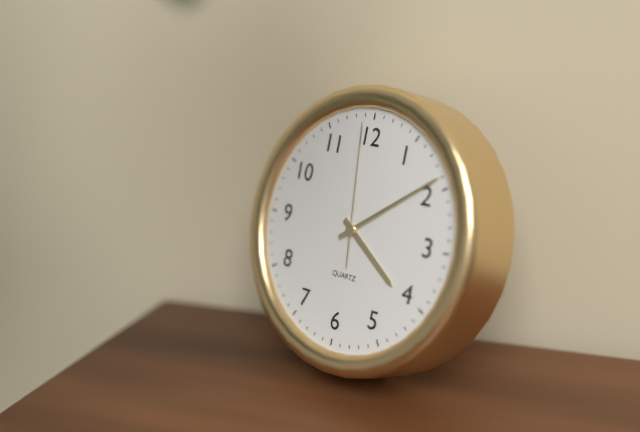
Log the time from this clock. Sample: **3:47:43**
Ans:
**4:09:59**
